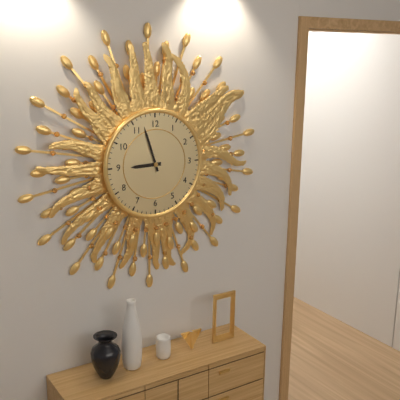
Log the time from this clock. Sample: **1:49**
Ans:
**8:57**
